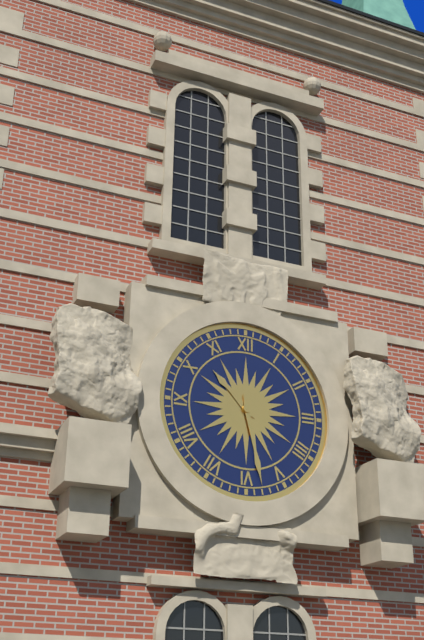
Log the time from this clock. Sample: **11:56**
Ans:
**10:28**
